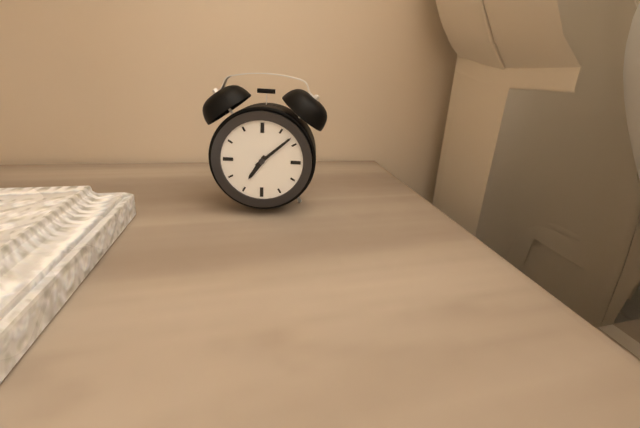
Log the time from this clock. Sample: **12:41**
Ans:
**7:08**
